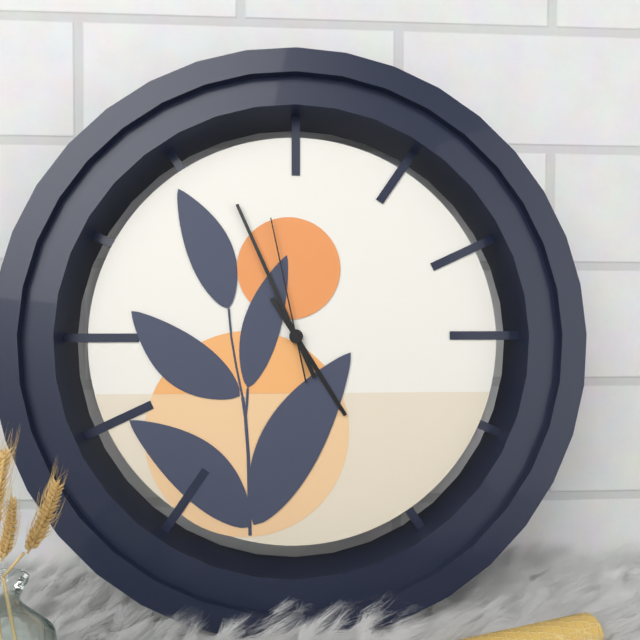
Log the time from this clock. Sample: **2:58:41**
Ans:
**4:56:58**
